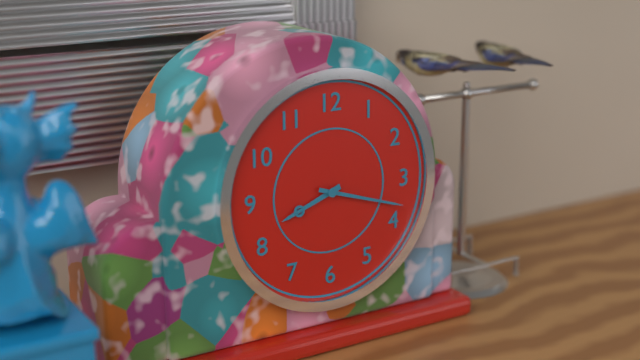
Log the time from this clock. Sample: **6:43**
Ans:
**8:18**
